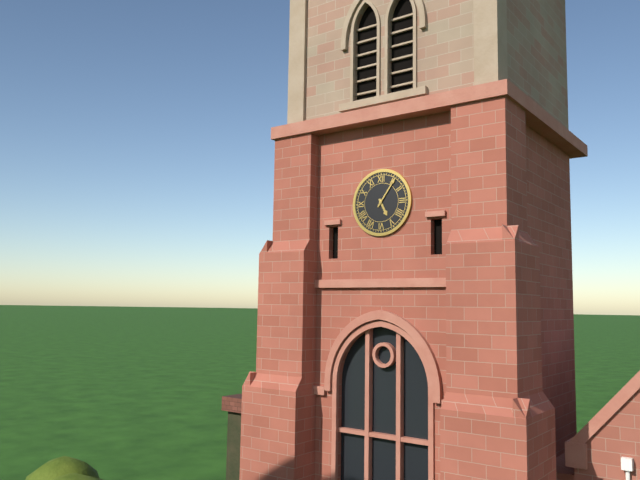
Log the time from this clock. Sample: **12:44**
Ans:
**5:06**
